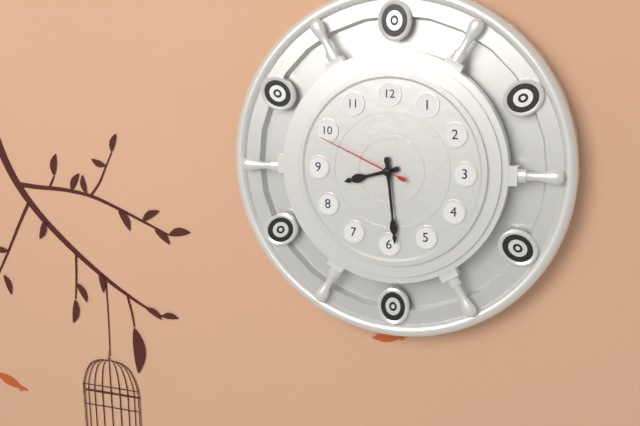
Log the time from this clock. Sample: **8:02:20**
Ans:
**8:29:49**
